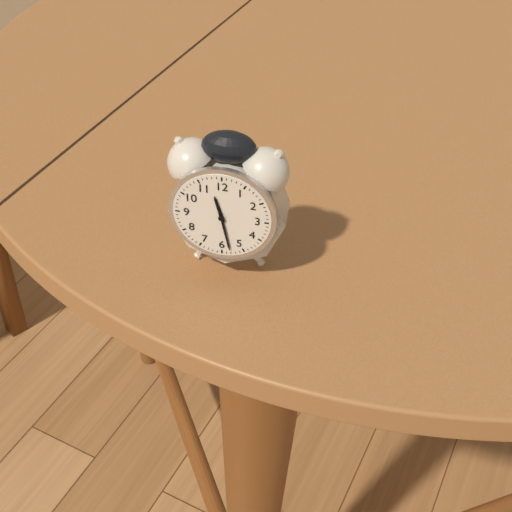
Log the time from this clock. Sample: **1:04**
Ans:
**11:28**
